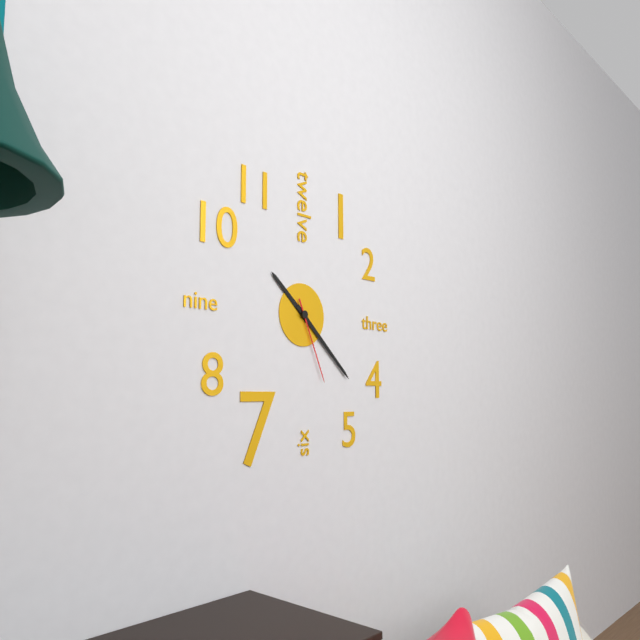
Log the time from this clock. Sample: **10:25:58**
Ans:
**10:22:26**
